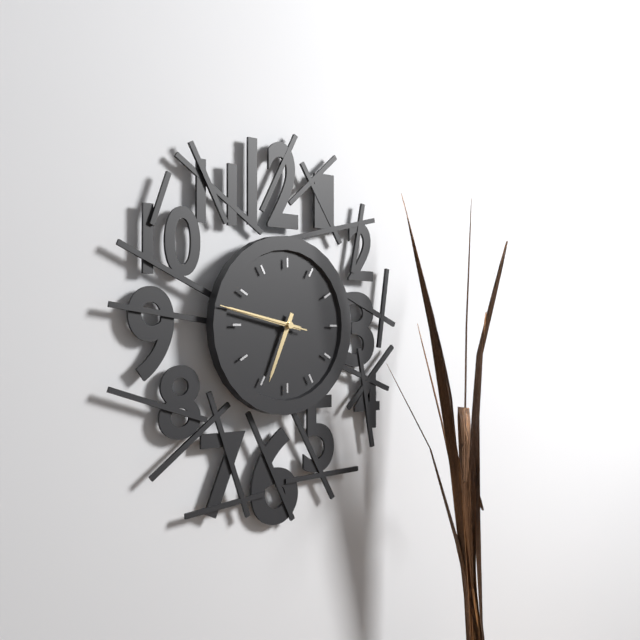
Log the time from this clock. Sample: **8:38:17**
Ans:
**6:47:47**
